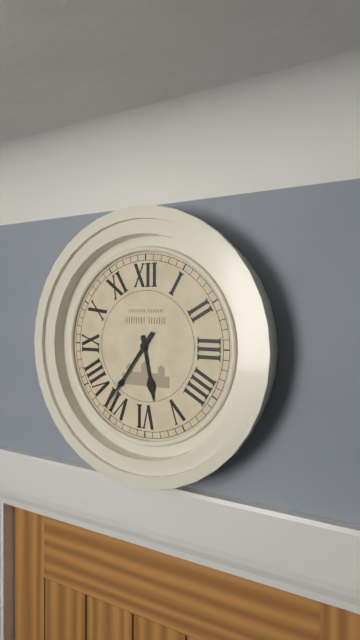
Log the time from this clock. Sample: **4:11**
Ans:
**5:36**
